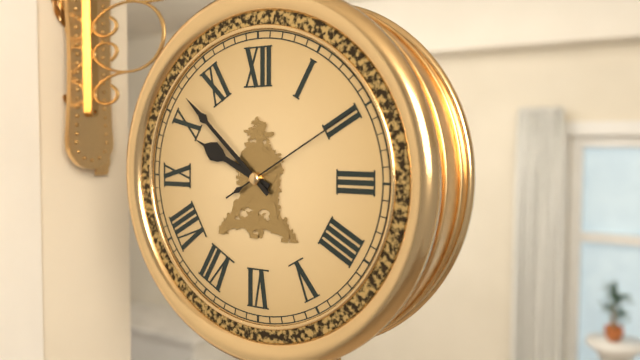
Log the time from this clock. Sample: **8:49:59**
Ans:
**9:52:10**
